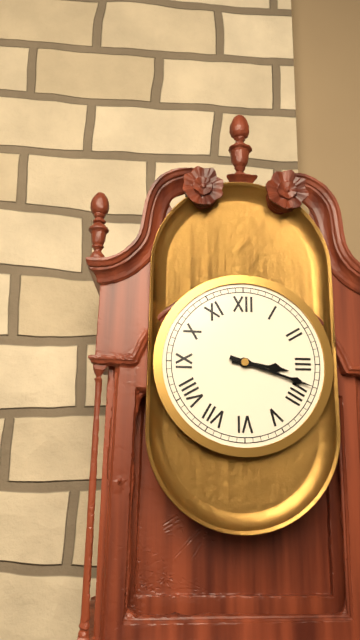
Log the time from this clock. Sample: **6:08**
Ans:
**3:18**
